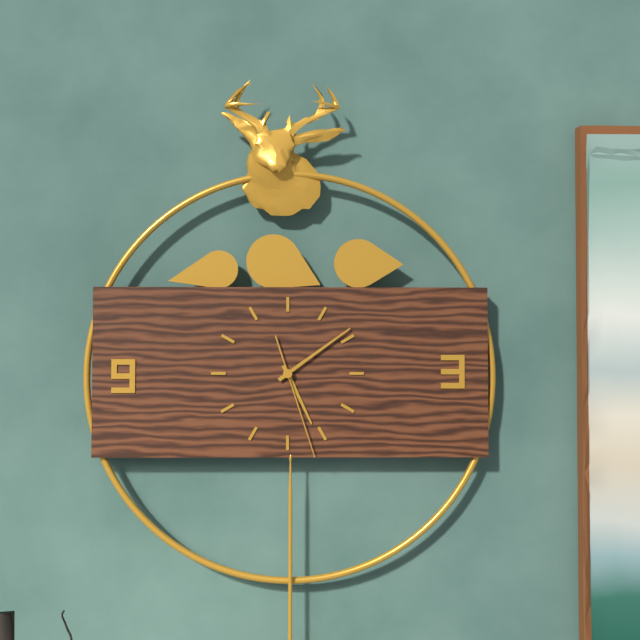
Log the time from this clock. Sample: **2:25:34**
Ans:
**5:09:27**
